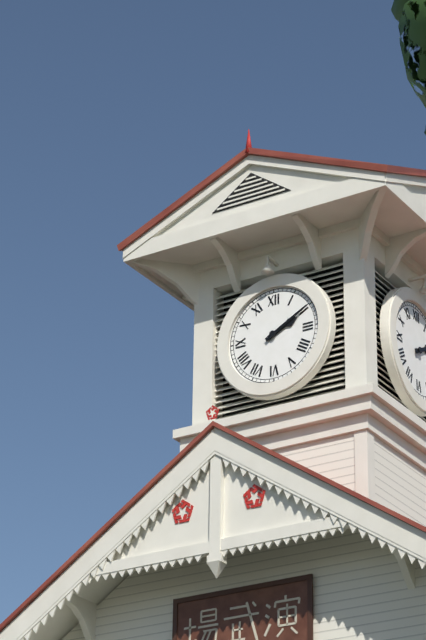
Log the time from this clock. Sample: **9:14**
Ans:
**2:10**
